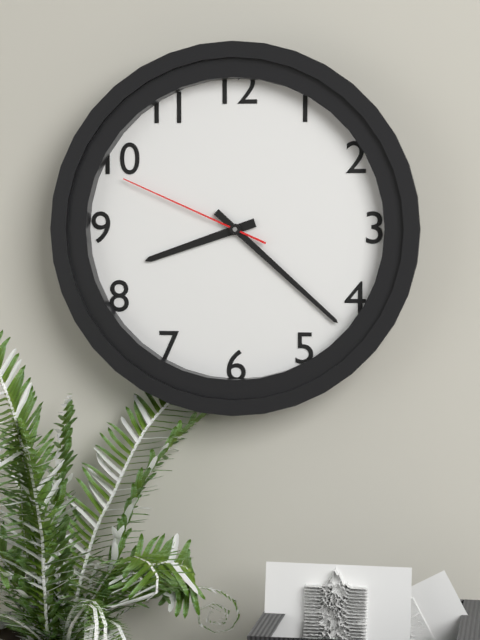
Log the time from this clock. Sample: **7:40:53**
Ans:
**8:22:49**
